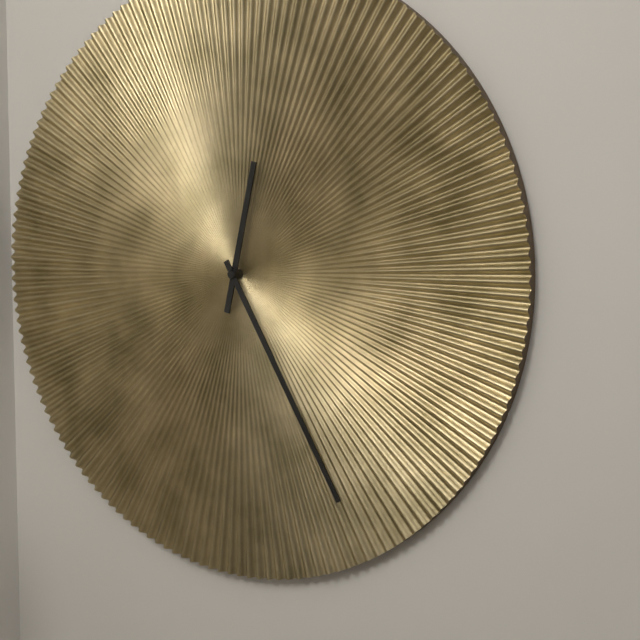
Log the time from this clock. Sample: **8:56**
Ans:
**12:25**
